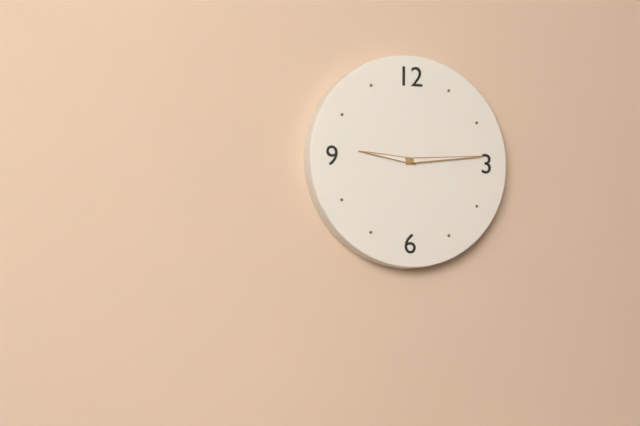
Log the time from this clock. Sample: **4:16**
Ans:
**9:14**
